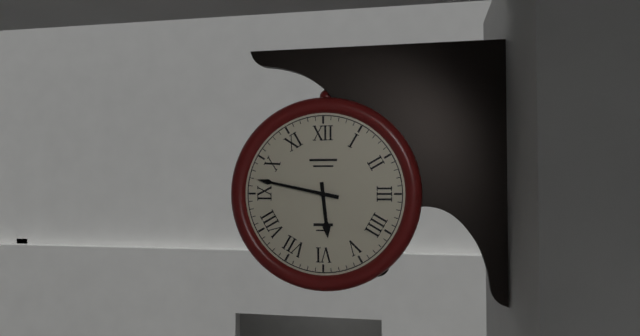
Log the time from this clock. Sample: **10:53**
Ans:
**5:47**
